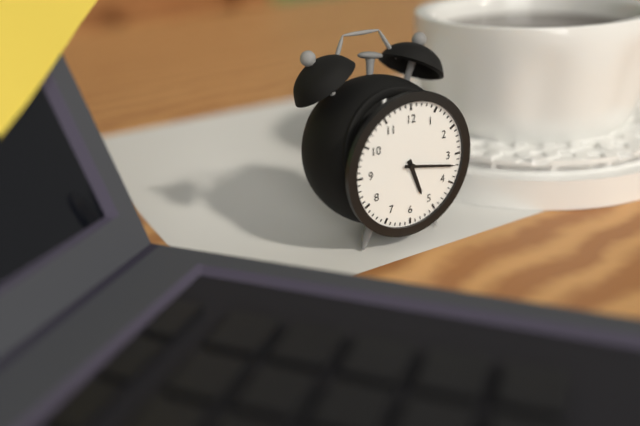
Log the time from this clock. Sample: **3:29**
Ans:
**5:17**
